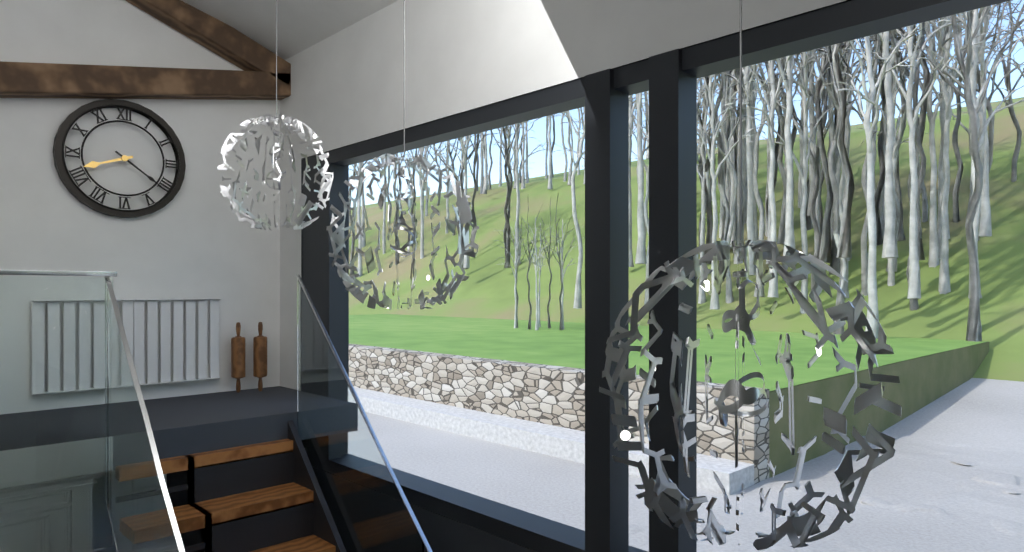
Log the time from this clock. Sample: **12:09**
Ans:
**8:21**
